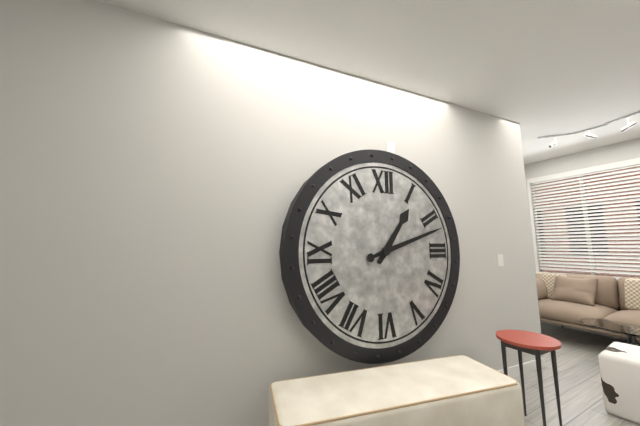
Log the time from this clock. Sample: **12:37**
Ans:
**1:12**
